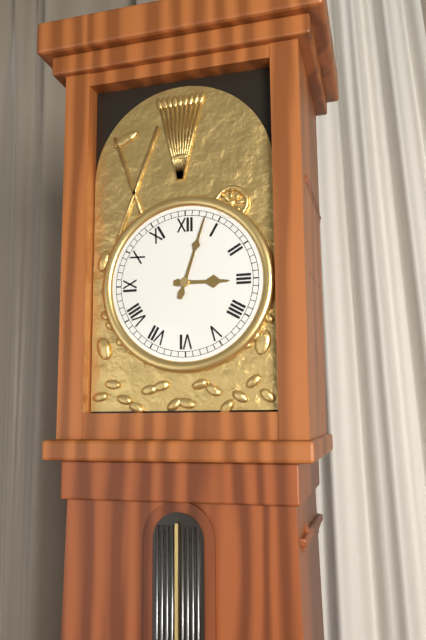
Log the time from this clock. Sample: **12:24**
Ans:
**3:03**
